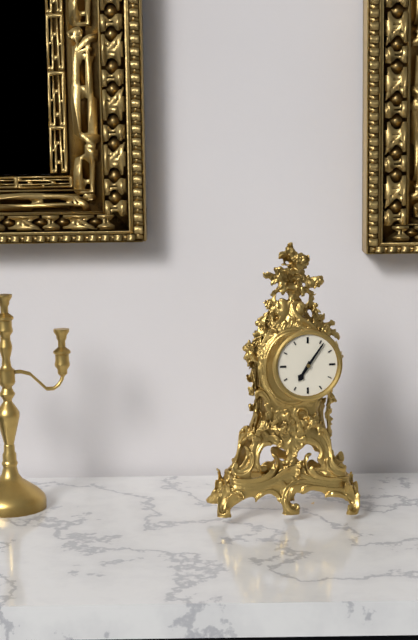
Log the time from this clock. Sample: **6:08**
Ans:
**7:06**
